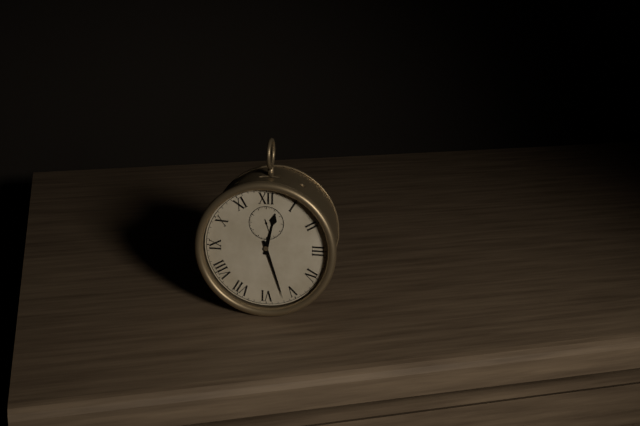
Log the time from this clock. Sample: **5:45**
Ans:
**12:27**
